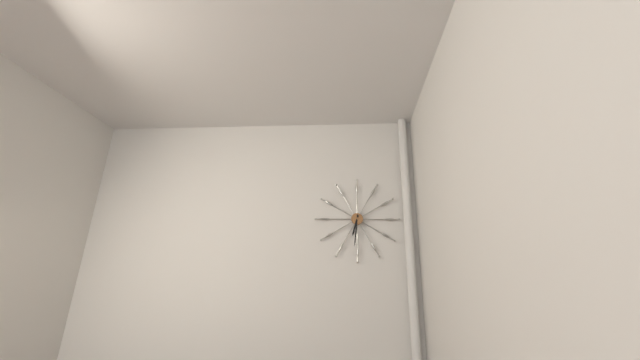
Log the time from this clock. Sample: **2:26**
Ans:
**6:31**
